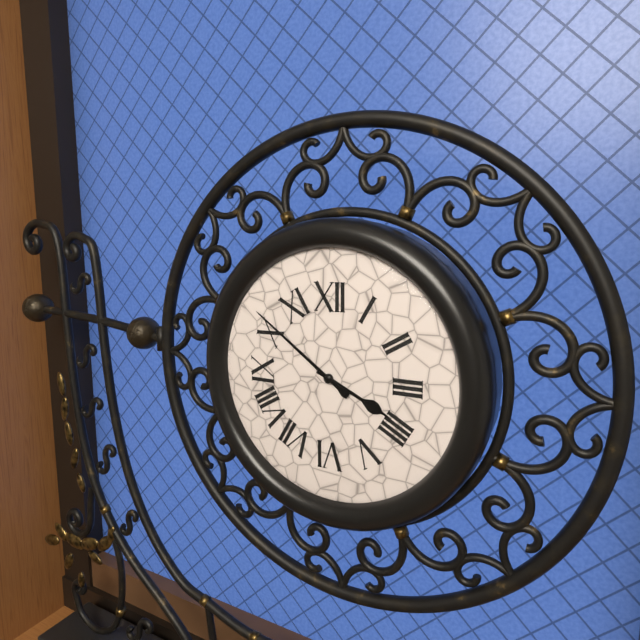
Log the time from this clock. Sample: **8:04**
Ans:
**3:51**
